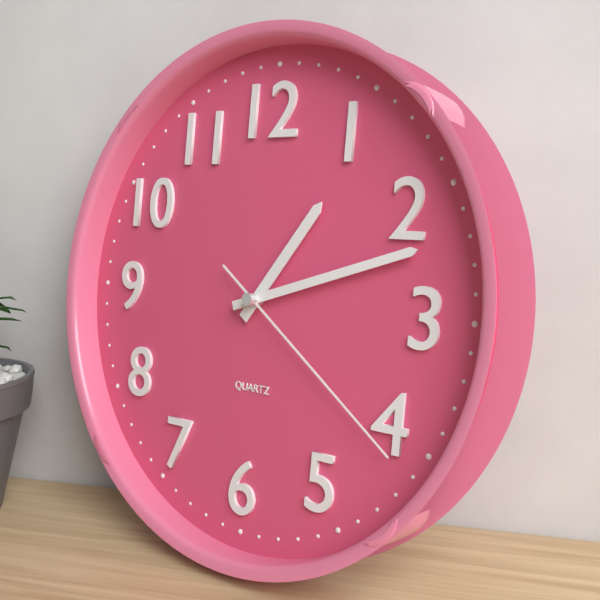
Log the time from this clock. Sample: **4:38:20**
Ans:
**1:12:21**
